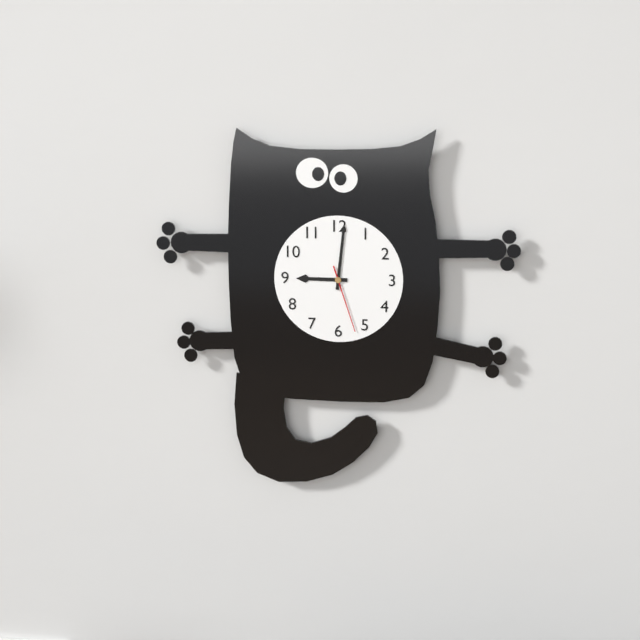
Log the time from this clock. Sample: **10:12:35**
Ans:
**9:01:27**
